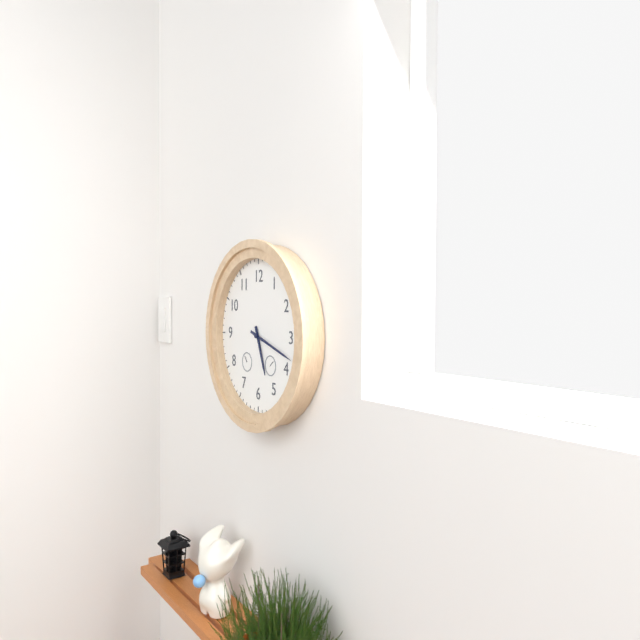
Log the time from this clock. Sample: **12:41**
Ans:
**5:18**
